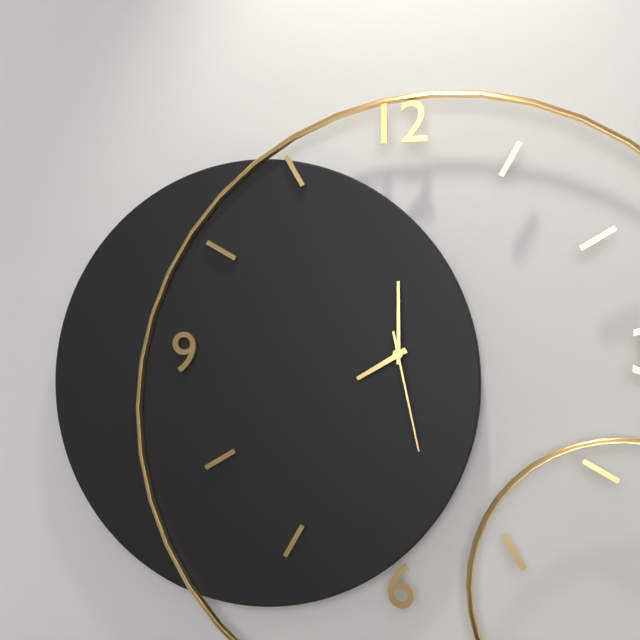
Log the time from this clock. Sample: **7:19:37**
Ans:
**8:00:28**
